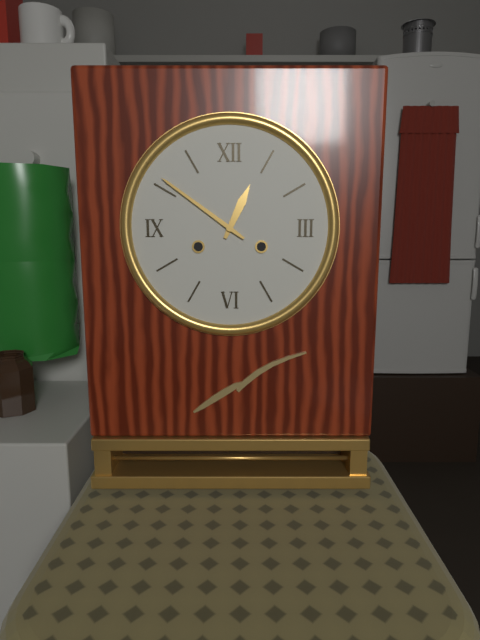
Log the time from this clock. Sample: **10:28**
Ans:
**12:51**
